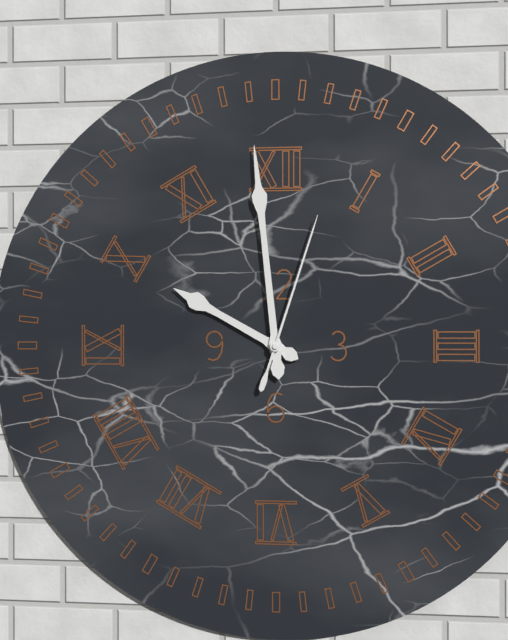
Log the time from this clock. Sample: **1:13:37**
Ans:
**9:59:03**
